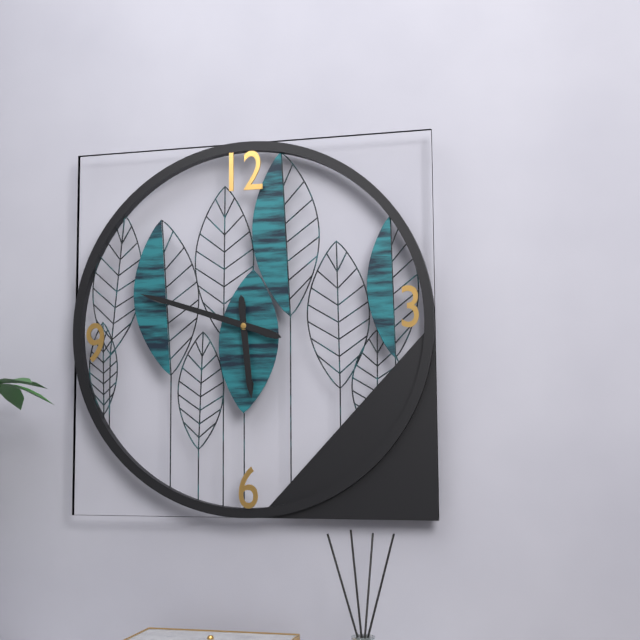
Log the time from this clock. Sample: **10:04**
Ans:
**5:48**
